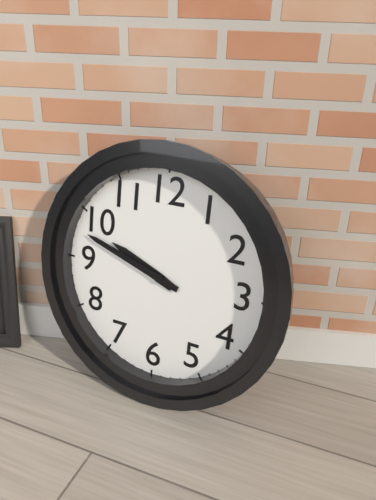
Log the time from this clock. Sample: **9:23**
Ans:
**9:48**
